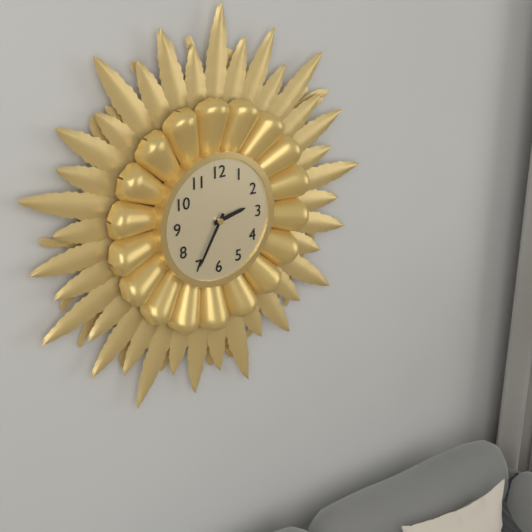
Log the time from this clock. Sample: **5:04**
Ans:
**2:35**
